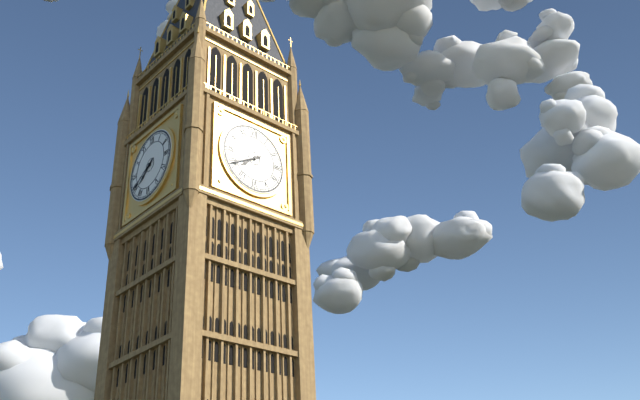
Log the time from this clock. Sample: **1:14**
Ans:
**7:40**
